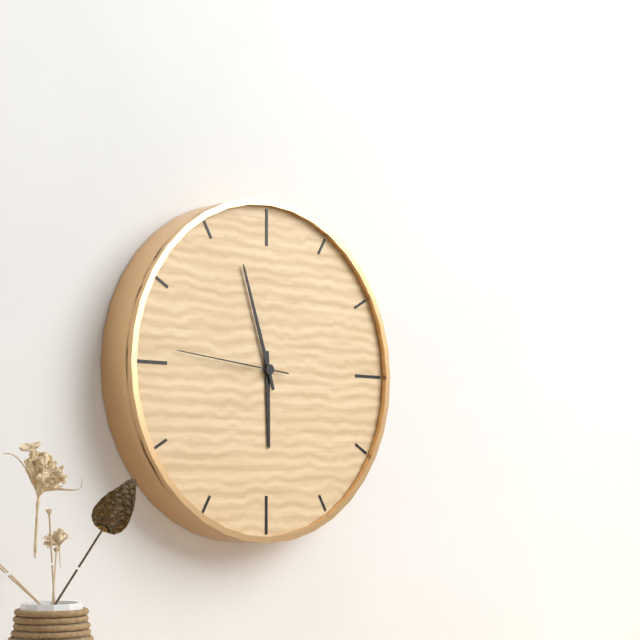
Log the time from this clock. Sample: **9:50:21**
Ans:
**5:57:46**
